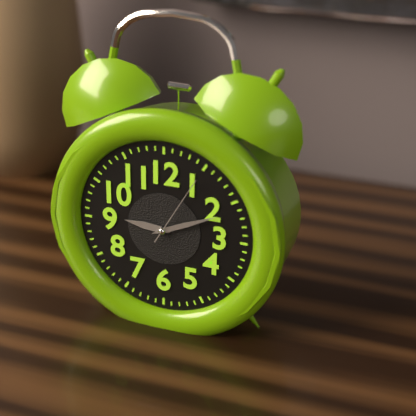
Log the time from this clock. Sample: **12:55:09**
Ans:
**9:11:05**
